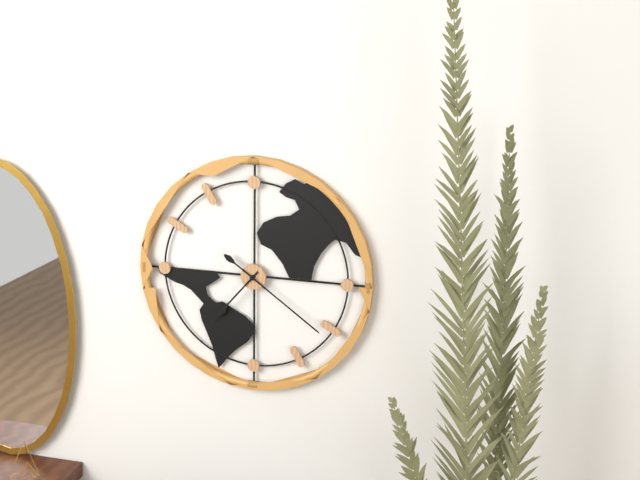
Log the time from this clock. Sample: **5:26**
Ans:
**7:21**
